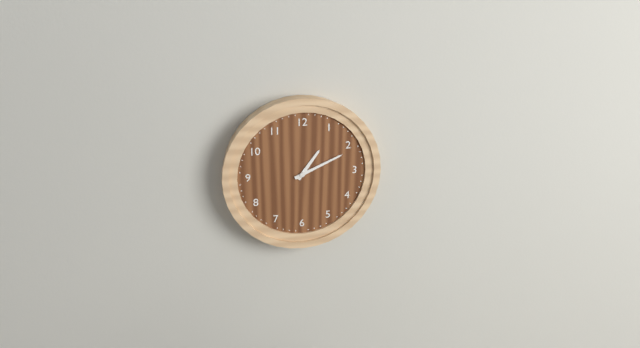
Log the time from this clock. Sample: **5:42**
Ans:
**1:11**
